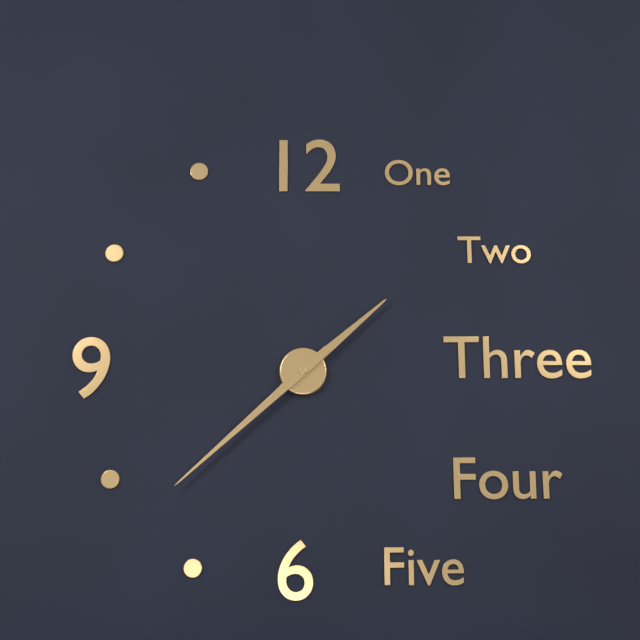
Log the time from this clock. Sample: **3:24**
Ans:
**1:38**
